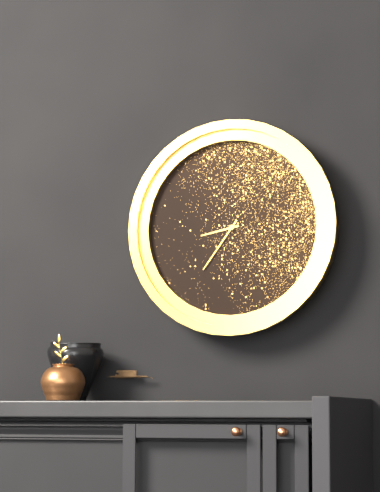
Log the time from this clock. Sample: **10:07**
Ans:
**8:36**
